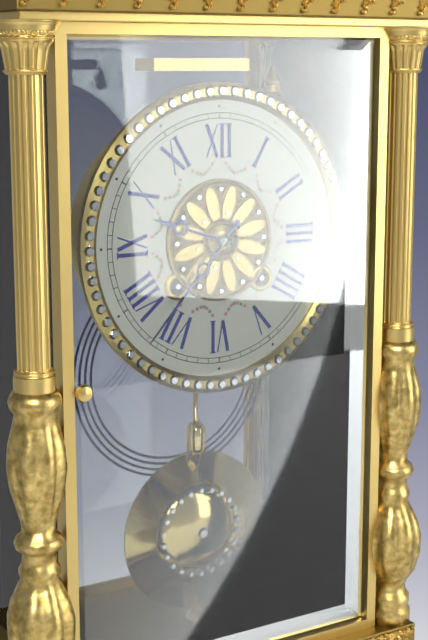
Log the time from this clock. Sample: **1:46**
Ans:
**9:37**
